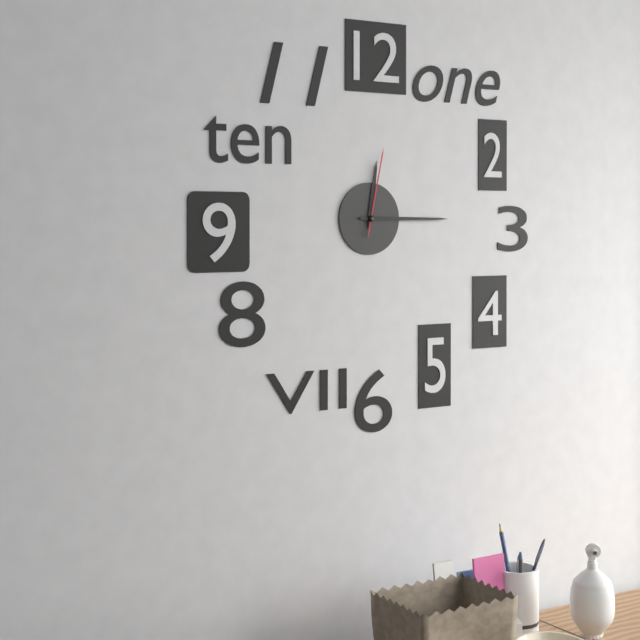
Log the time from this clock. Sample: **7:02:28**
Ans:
**12:15:02**
